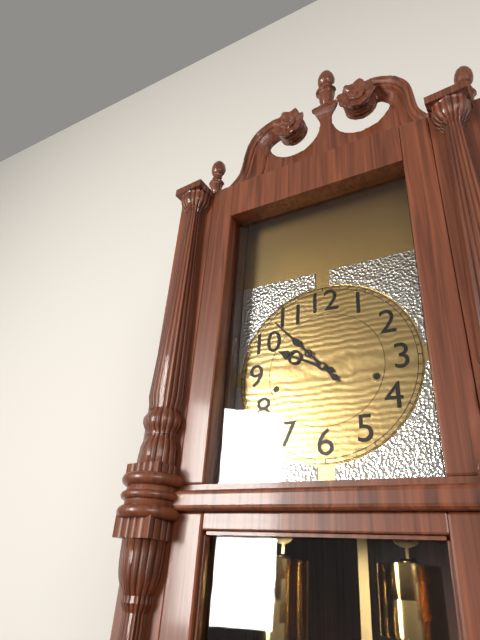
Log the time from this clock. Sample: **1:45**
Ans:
**9:53**
